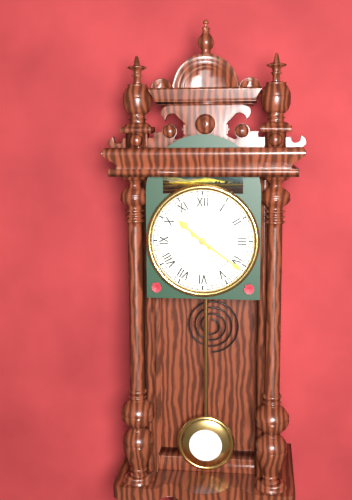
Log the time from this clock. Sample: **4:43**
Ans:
**10:21**
